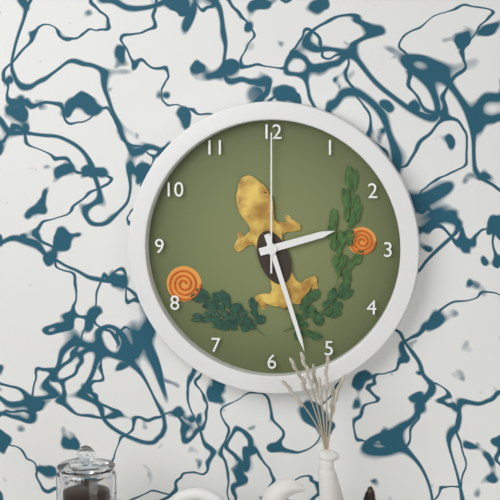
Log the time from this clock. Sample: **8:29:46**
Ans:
**2:27:00**
